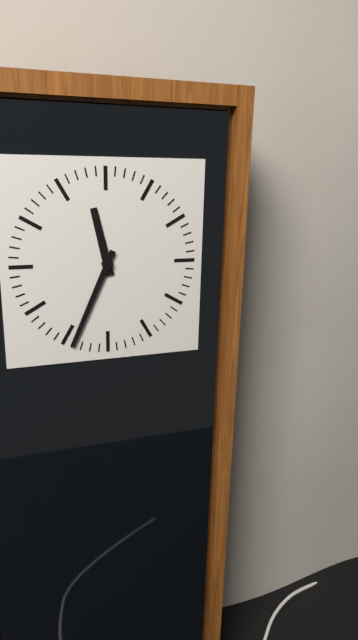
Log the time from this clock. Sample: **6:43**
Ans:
**11:34**
